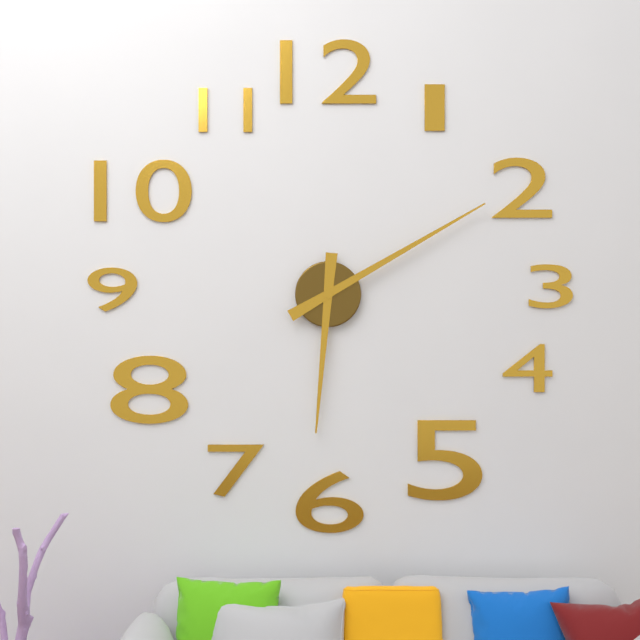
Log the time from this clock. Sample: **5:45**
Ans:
**6:10**
